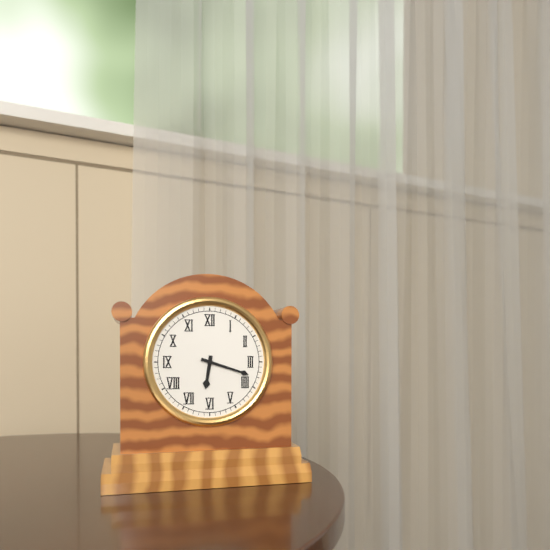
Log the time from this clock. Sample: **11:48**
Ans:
**6:18**
